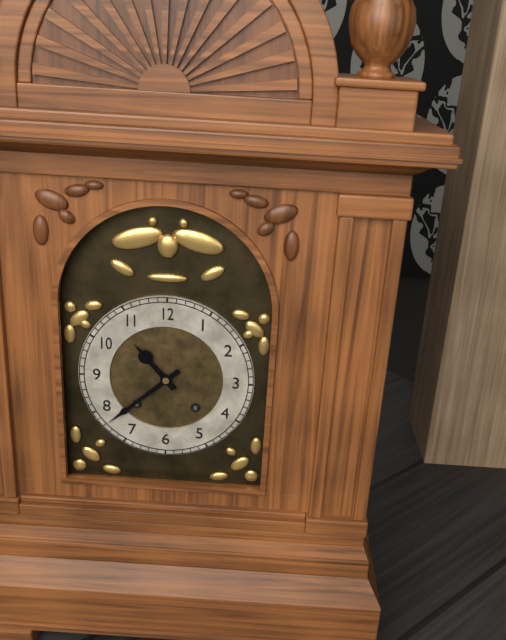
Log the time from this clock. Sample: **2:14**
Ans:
**10:38**
